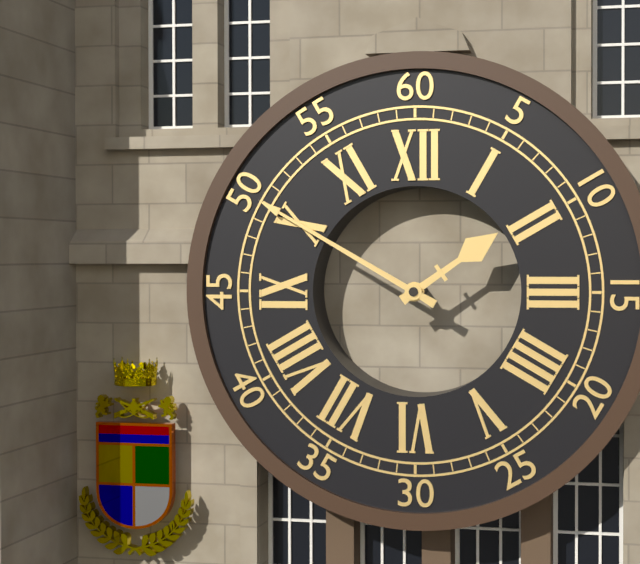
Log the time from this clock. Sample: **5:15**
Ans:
**1:50**
